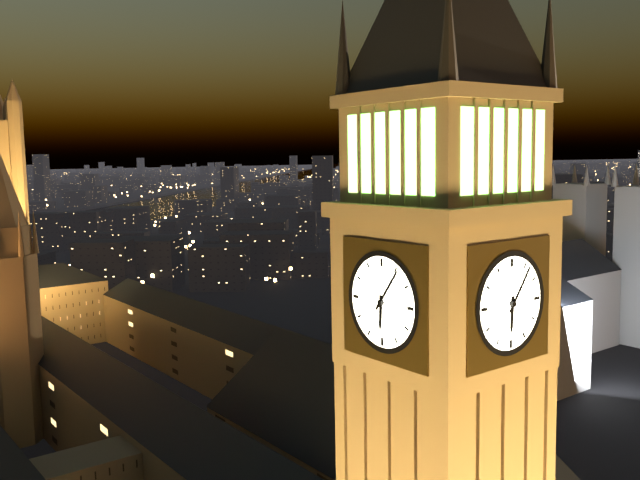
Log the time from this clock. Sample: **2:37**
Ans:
**6:06**
